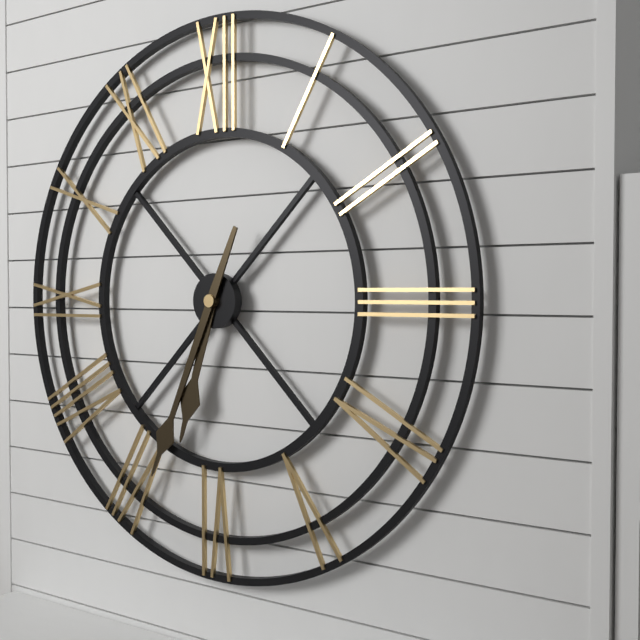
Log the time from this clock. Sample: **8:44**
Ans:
**6:34**
